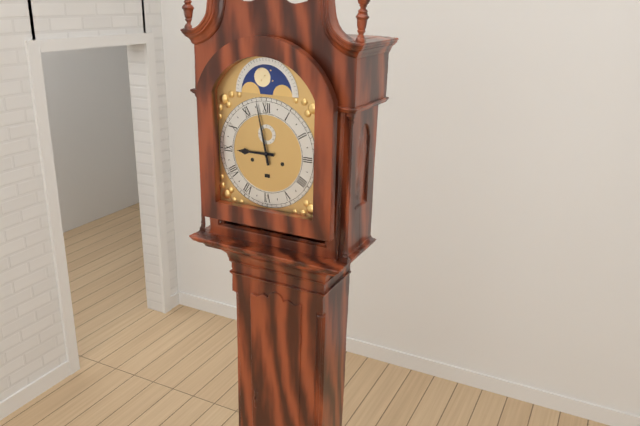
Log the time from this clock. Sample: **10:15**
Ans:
**8:58**
